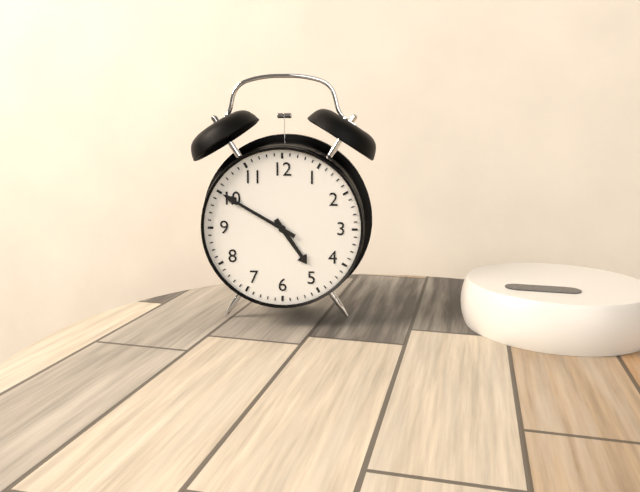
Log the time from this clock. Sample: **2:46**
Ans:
**4:50**
